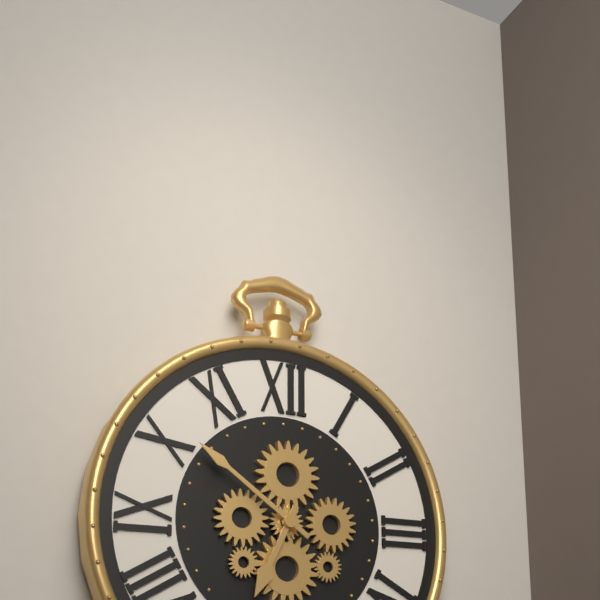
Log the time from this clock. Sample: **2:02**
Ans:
**6:51**
